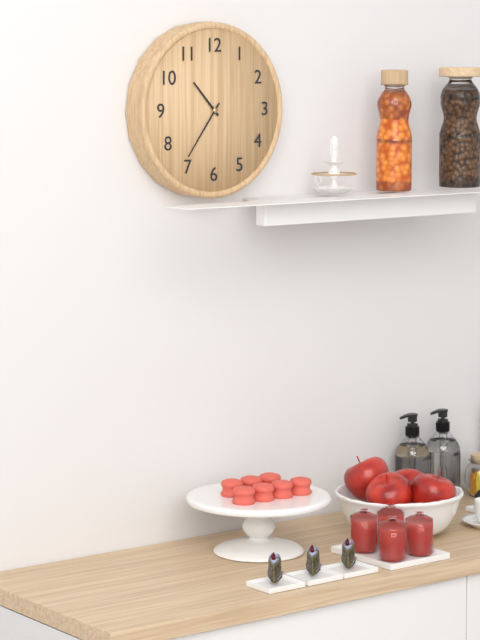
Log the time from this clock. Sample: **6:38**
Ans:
**10:36**
